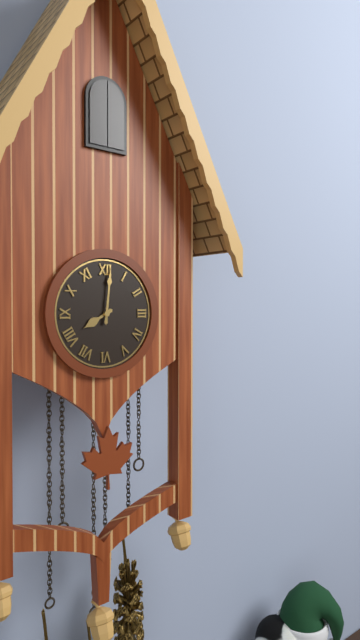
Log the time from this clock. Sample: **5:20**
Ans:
**8:01**
